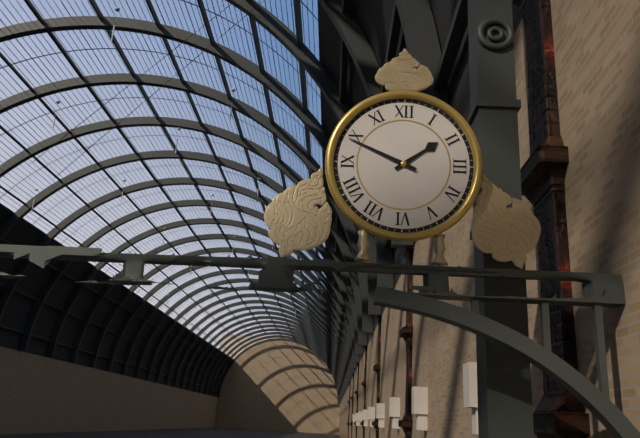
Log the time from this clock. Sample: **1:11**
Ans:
**1:49**
